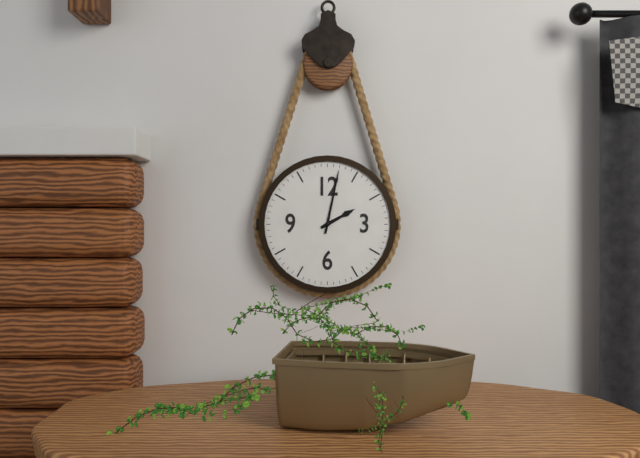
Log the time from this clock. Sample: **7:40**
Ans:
**2:02**
